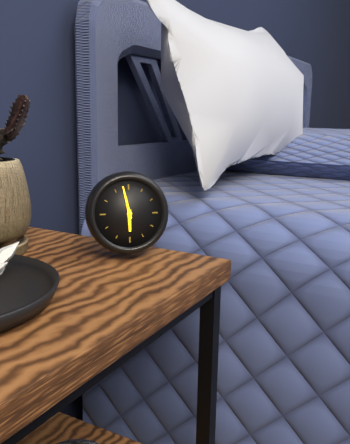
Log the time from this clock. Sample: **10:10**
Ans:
**5:58**
